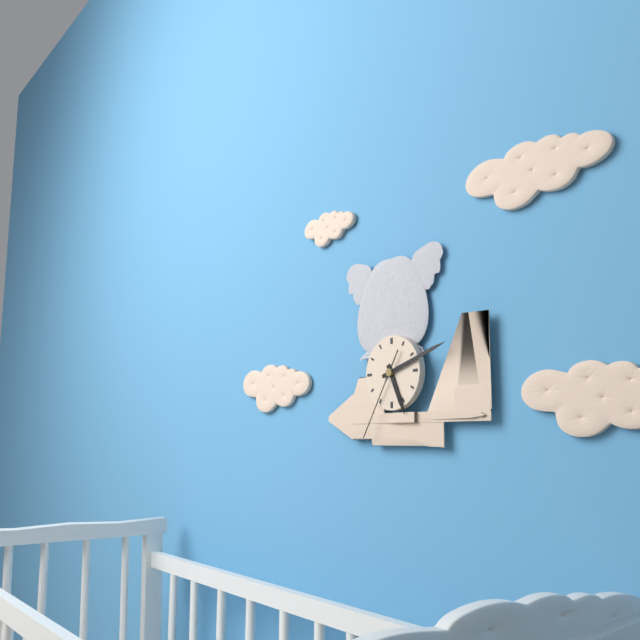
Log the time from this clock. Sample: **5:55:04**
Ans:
**5:12:35**
